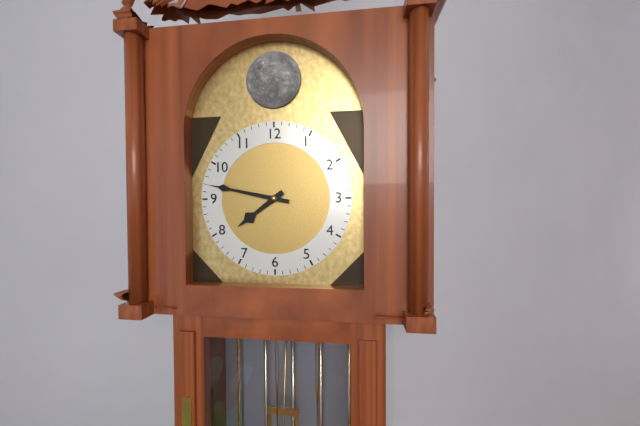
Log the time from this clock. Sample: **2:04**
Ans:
**7:47**
